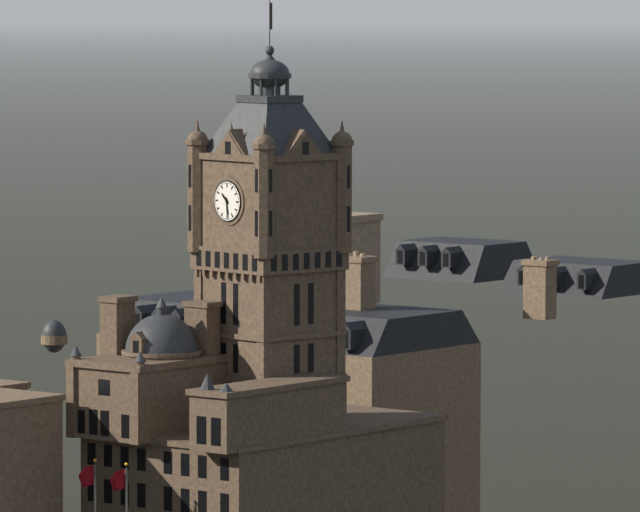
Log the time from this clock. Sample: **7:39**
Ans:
**10:29**
